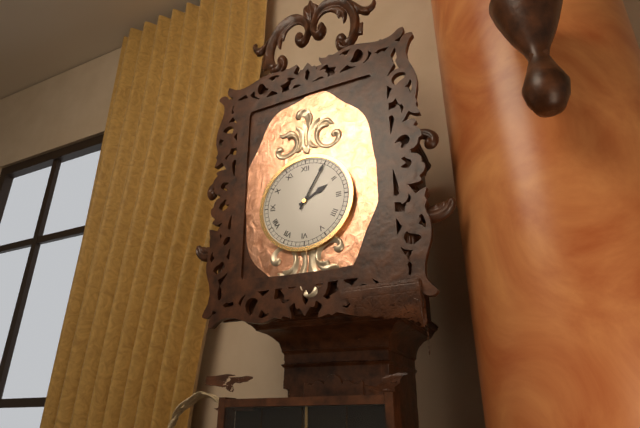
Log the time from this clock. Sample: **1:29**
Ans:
**2:05**
